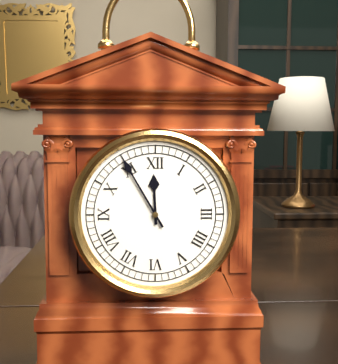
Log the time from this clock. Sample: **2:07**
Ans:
**11:55**
